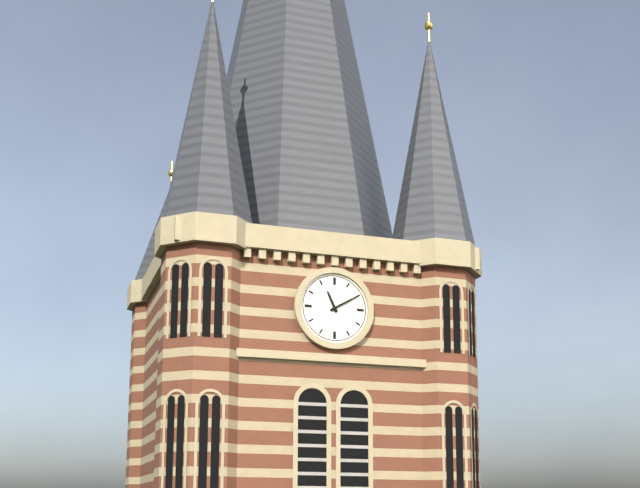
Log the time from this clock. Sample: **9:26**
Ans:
**11:10**
